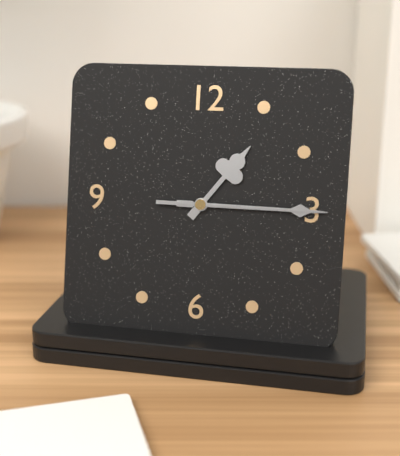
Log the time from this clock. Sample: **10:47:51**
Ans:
**1:15:15**
